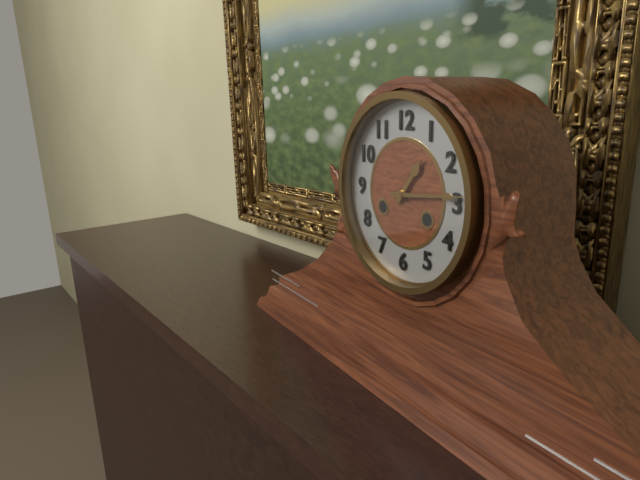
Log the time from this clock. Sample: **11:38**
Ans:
**1:14**
